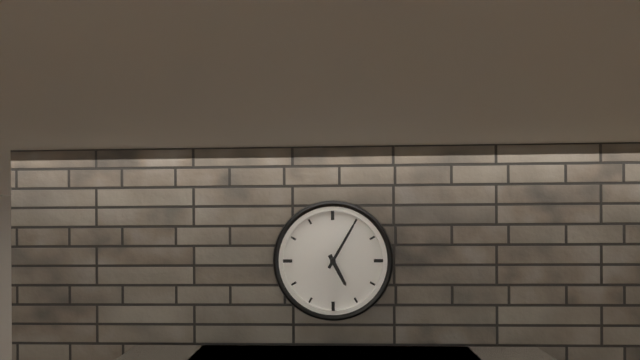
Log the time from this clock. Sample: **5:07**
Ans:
**5:05**
